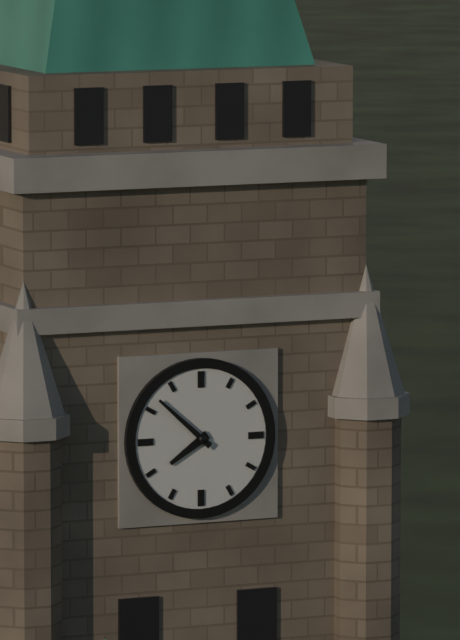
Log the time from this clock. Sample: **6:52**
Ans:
**7:52**
